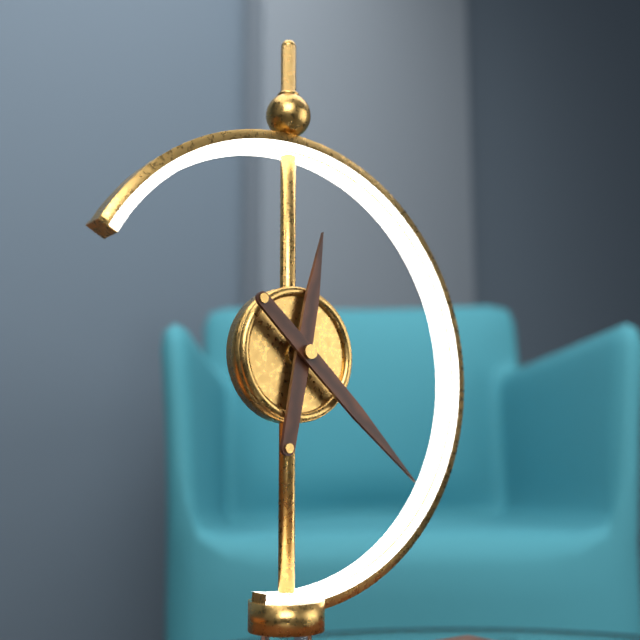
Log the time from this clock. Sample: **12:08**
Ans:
**12:22**
